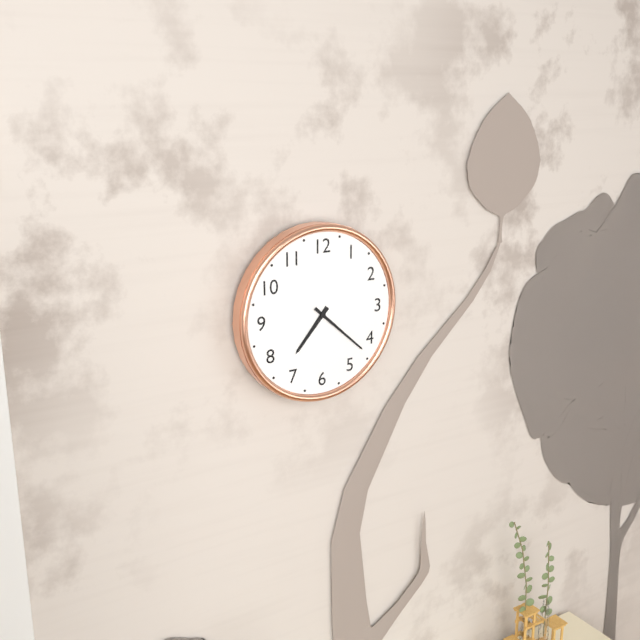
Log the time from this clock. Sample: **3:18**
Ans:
**7:22**
